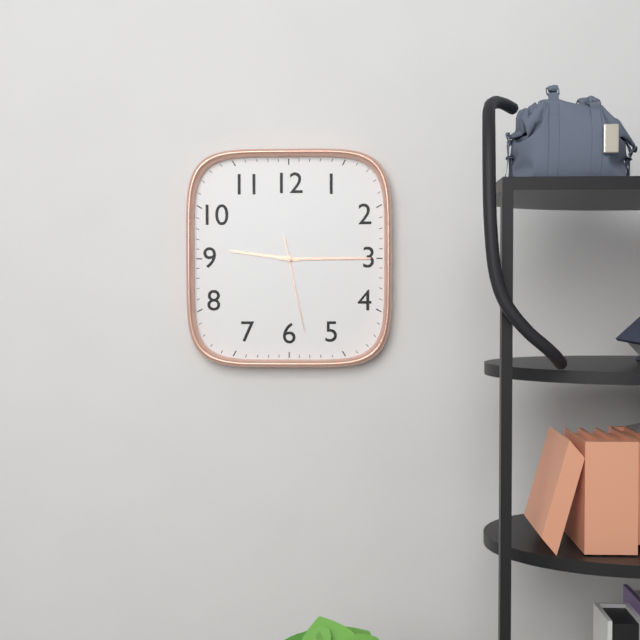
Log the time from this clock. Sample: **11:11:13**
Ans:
**9:15:28**
